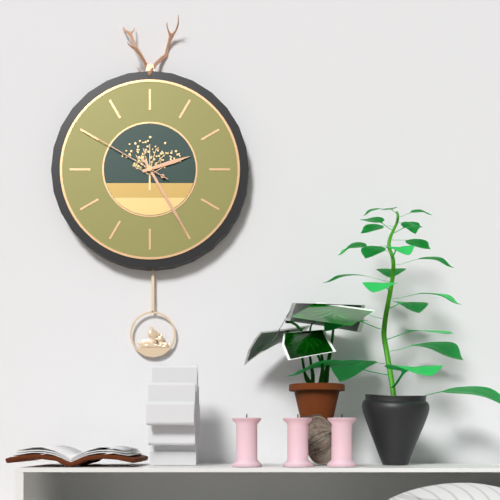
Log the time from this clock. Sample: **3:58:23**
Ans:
**2:25:50**
